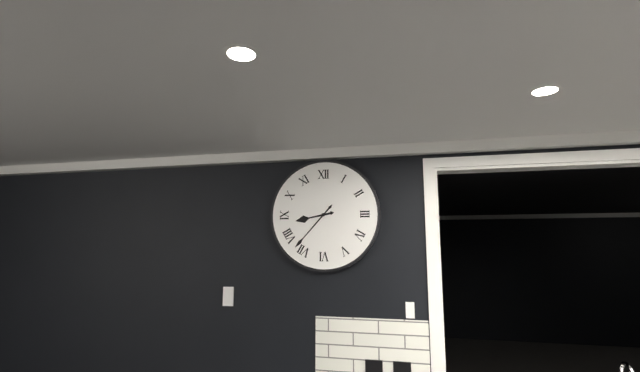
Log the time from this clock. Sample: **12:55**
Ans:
**8:37**
